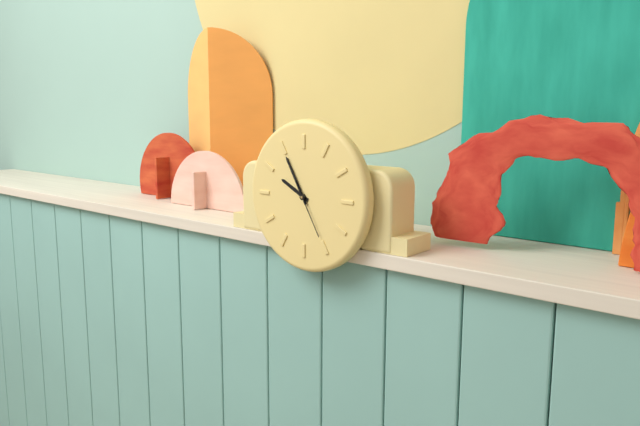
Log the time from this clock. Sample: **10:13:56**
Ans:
**9:55:25**
